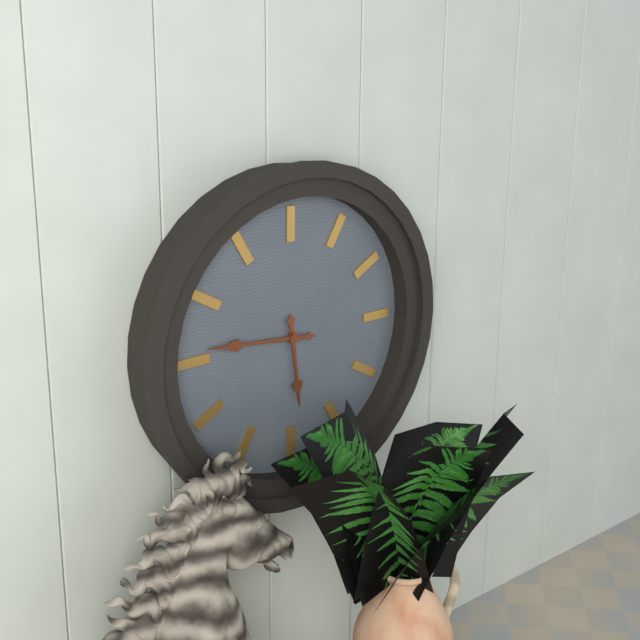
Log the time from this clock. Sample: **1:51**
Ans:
**5:46**
